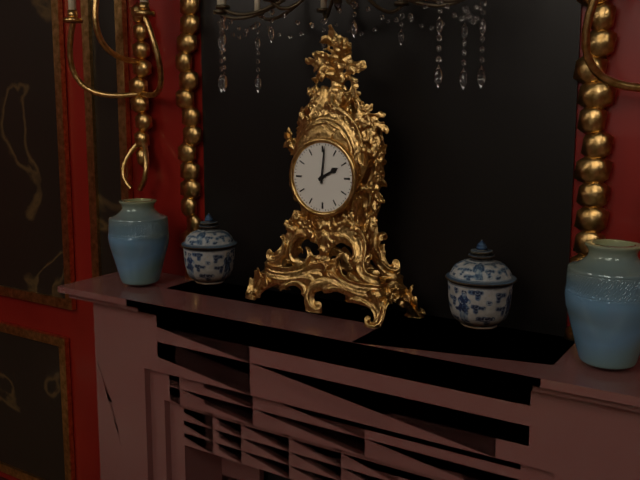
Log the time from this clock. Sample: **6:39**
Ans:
**2:01**
